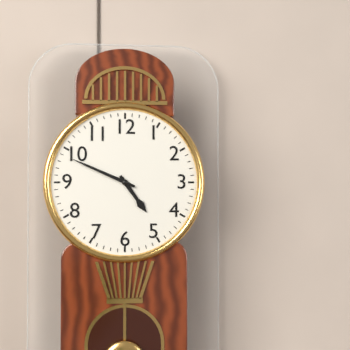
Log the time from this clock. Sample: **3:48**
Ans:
**4:49**
